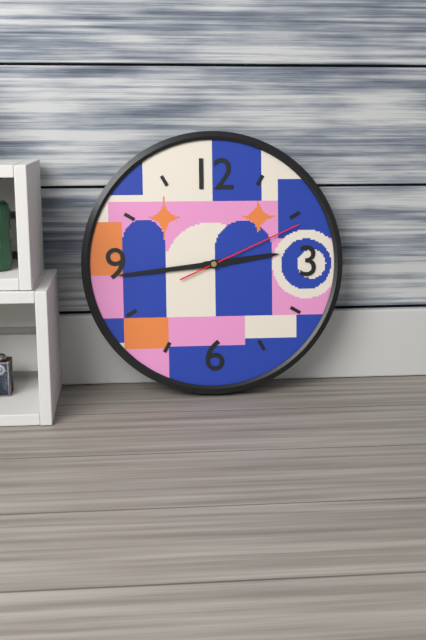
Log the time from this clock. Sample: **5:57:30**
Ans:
**2:44:11**
